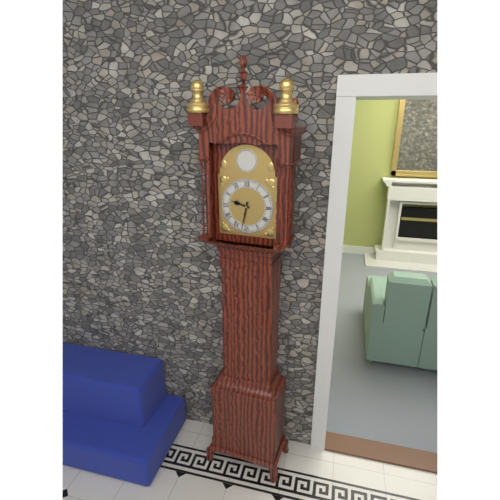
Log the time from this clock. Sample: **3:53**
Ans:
**9:32**
